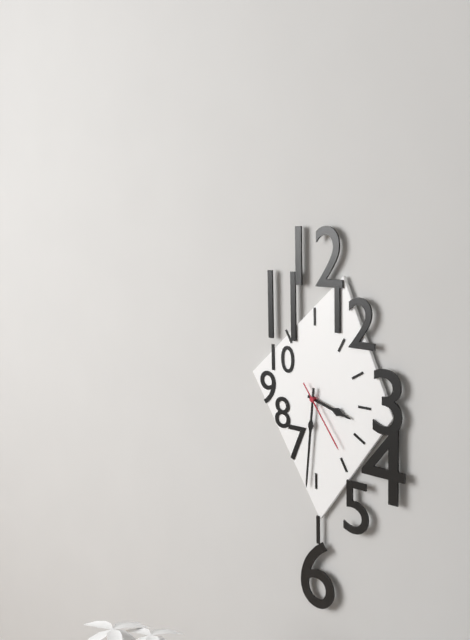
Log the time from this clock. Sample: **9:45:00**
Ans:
**3:31:24**
